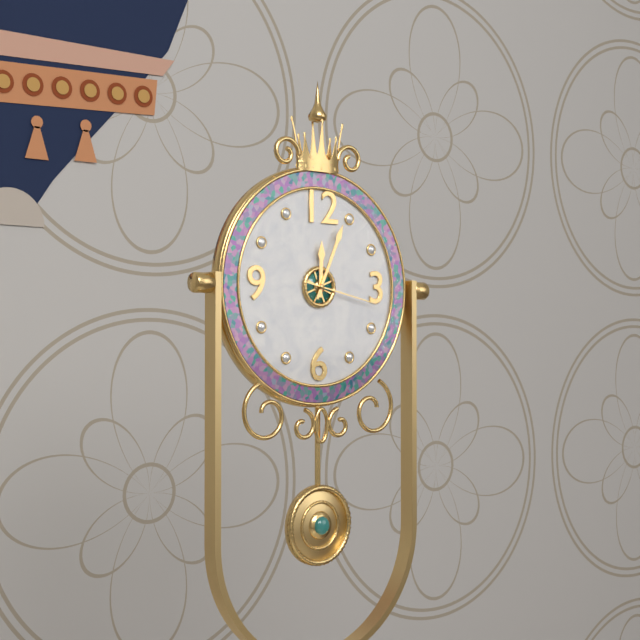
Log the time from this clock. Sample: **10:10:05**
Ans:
**12:04:17**
